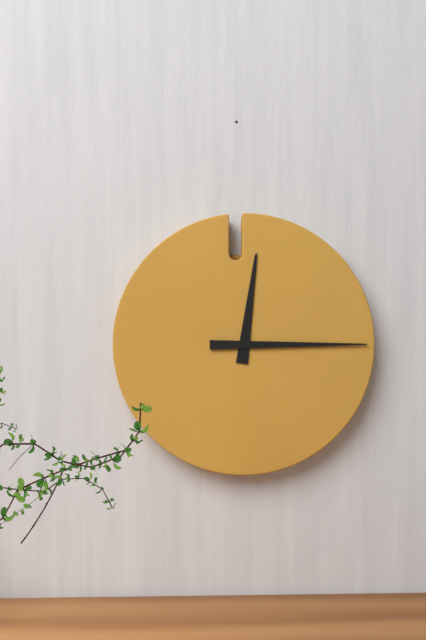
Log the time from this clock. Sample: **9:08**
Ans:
**12:15**
